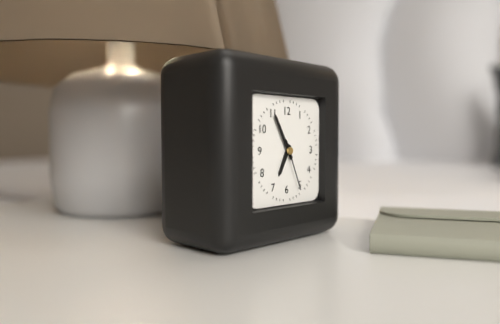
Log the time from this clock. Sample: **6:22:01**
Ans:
**6:55:26**
